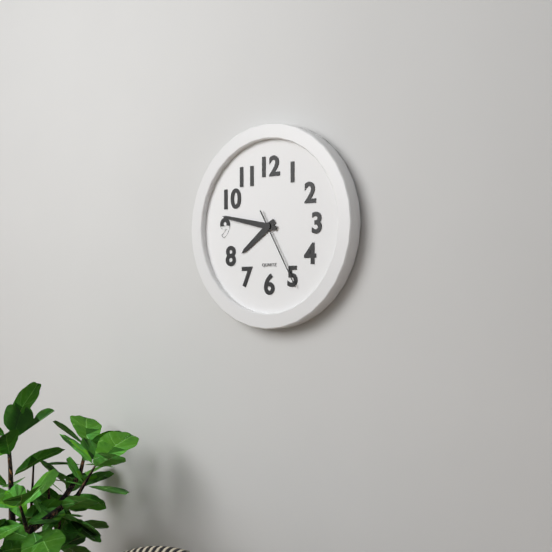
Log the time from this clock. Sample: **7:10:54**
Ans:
**7:47:25**
